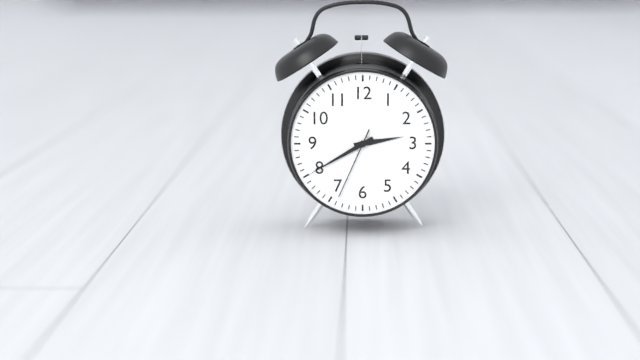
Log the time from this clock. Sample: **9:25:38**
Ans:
**2:40:34**
